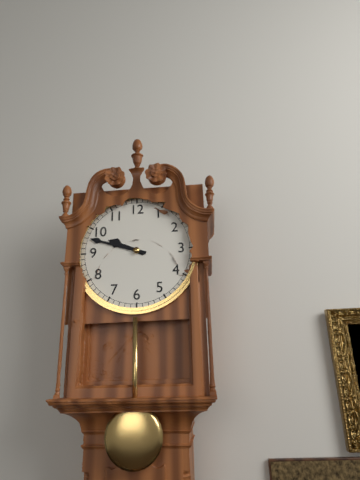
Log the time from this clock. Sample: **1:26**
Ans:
**9:48**
